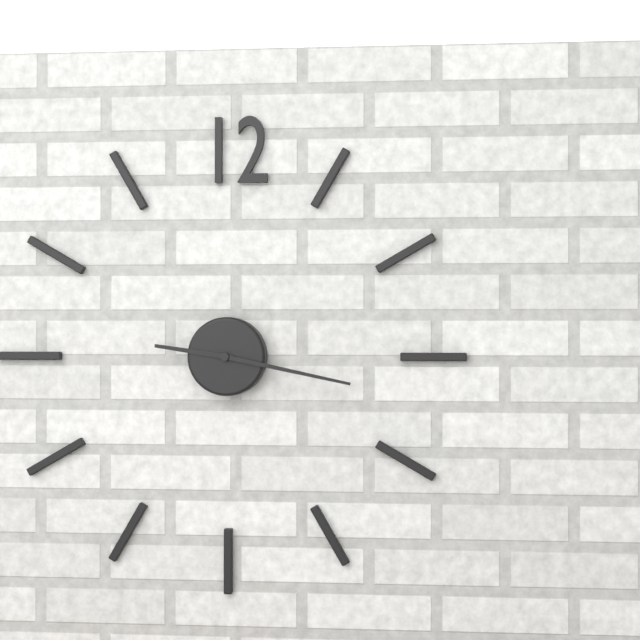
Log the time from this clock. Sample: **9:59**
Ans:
**9:17**
